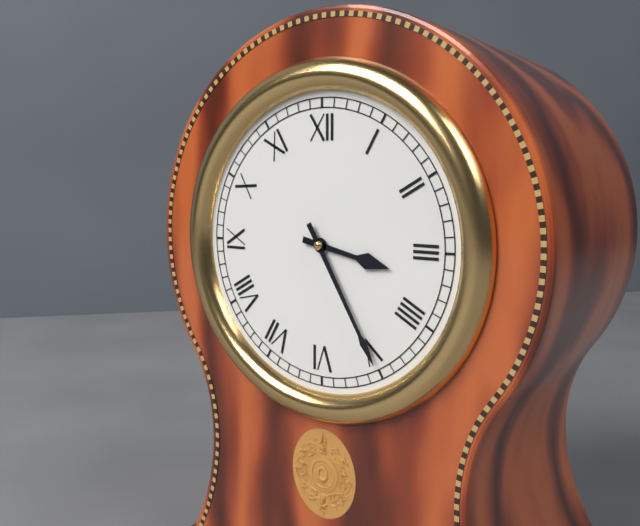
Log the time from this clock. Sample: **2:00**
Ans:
**3:25**
